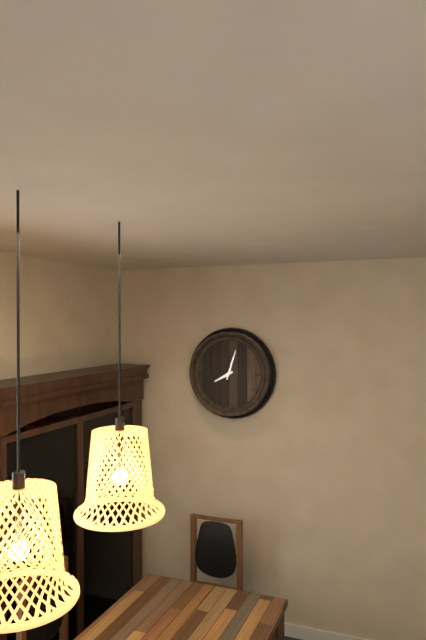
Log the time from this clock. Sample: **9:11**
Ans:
**8:03**
